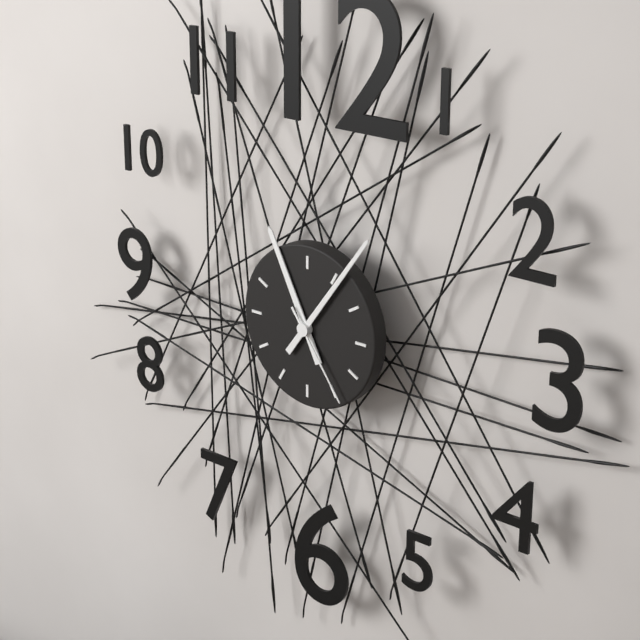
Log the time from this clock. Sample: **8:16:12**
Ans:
**11:06:24**
